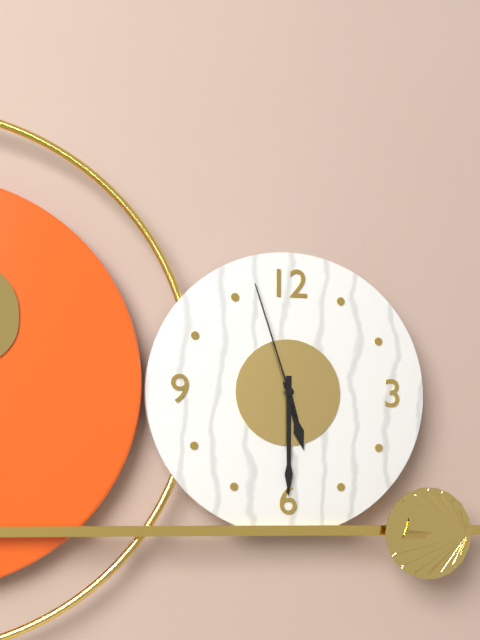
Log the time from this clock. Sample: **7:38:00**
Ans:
**5:30:57**
